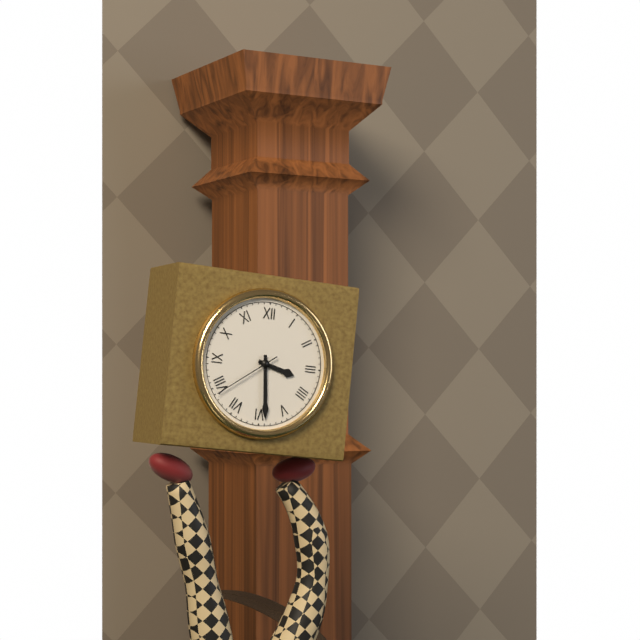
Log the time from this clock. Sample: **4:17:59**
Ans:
**3:29:39**
